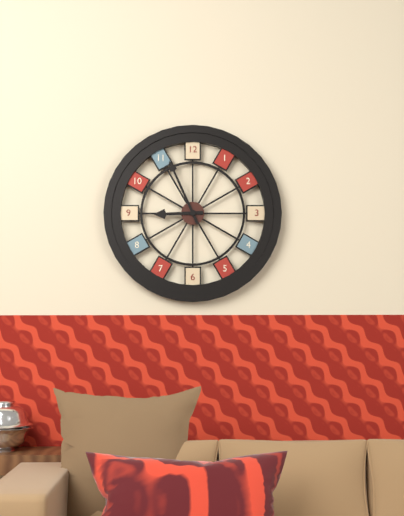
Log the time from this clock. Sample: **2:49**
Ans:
**8:56**
